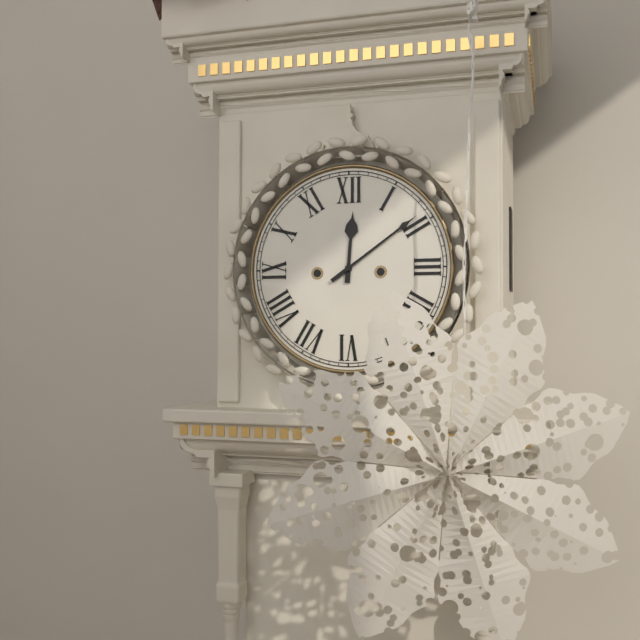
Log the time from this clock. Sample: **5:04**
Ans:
**12:09**
